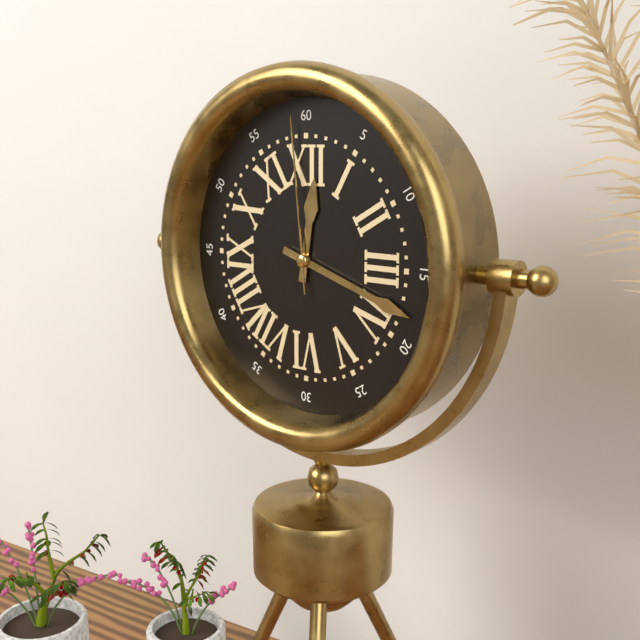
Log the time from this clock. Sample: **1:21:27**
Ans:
**12:18:59**
